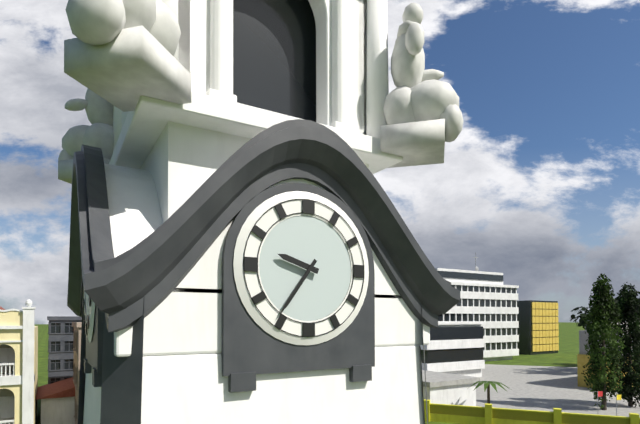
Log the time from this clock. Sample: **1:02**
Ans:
**9:36**
